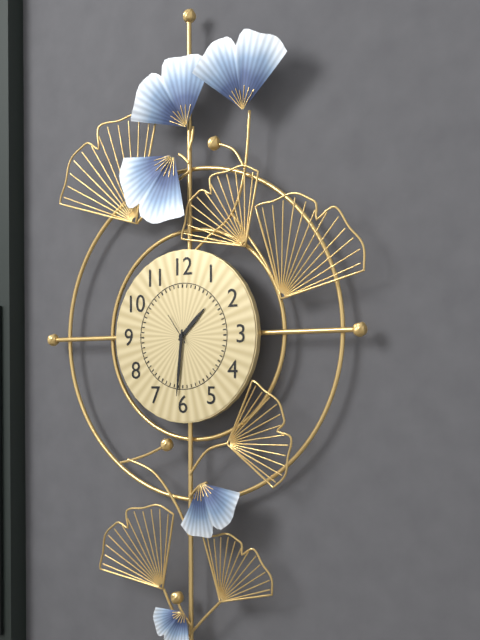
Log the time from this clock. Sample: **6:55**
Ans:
**1:31**
